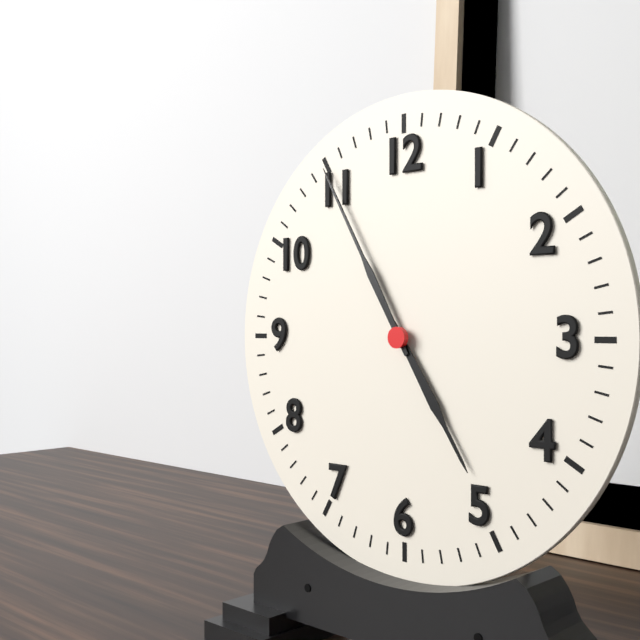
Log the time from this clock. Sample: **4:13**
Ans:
**4:55**
